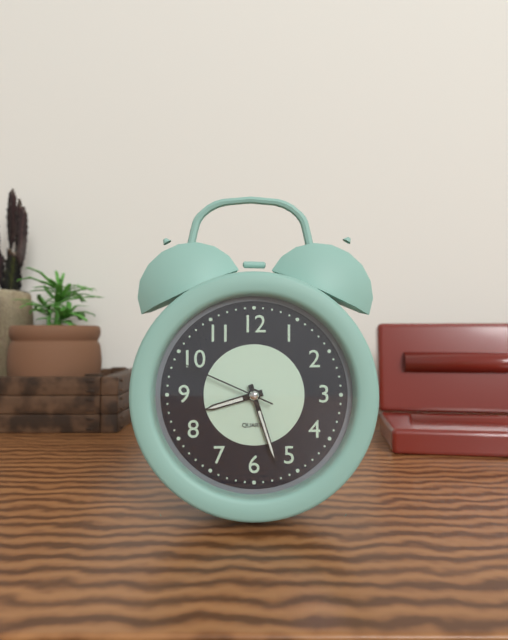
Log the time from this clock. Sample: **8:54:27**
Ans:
**8:27:49**
